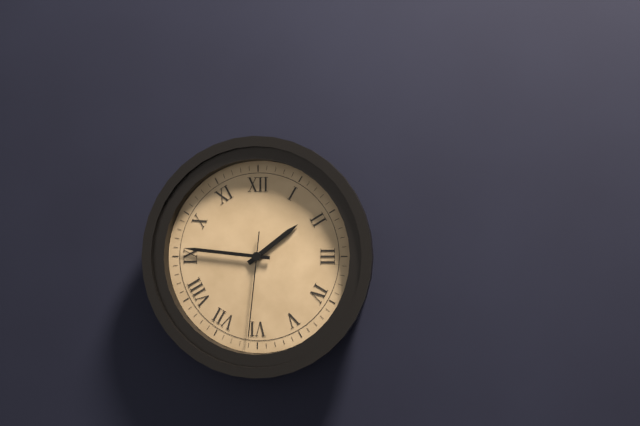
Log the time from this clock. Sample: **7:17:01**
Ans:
**1:46:31**
